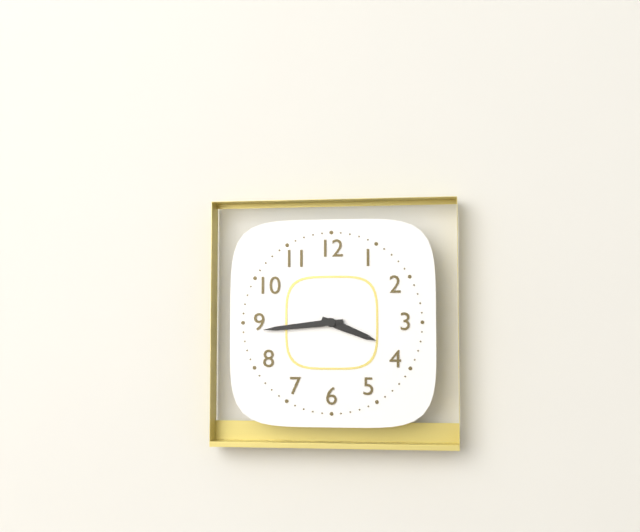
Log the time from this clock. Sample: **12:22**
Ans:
**3:44**
